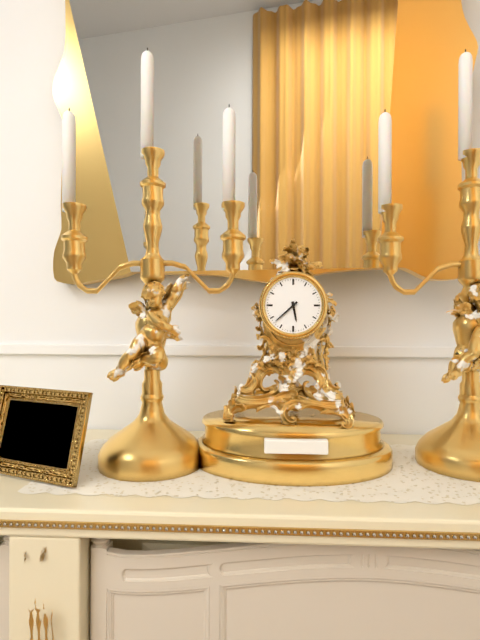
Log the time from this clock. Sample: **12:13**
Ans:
**5:38**
